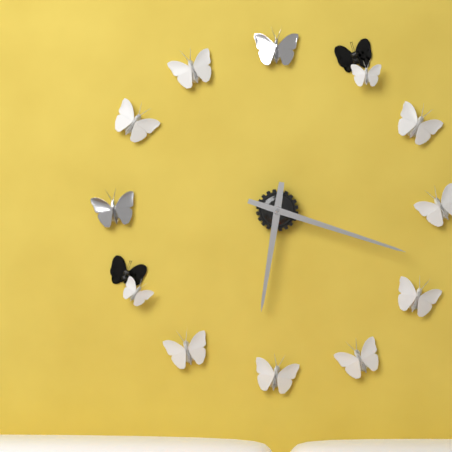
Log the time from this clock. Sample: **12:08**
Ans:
**6:18**
